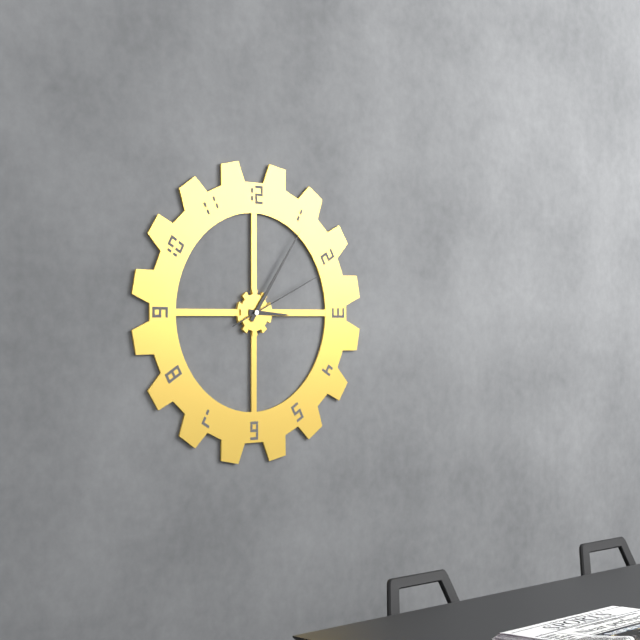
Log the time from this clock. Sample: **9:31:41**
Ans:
**3:06:11**
